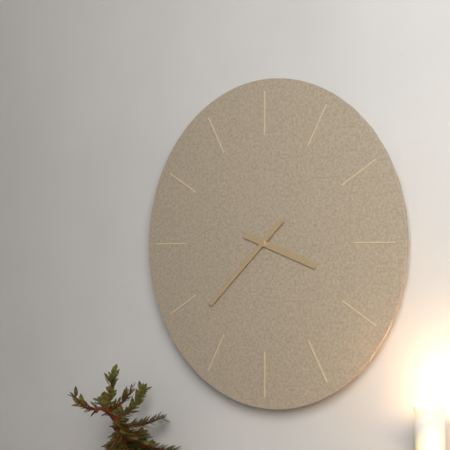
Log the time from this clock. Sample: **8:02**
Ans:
**3:38**
